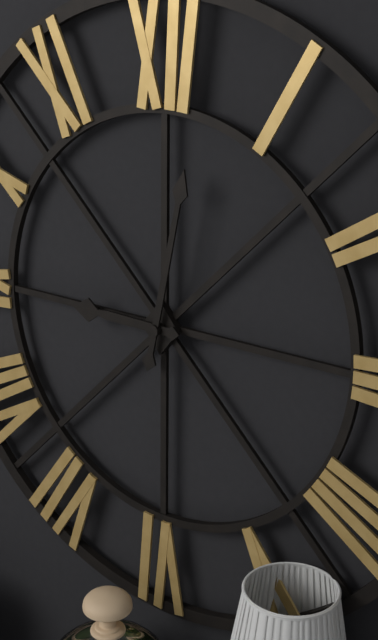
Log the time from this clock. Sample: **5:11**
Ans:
**9:02**
